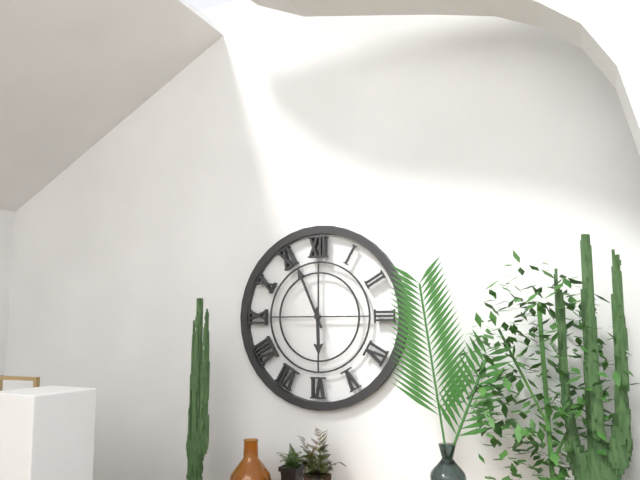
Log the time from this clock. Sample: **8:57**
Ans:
**5:56**
